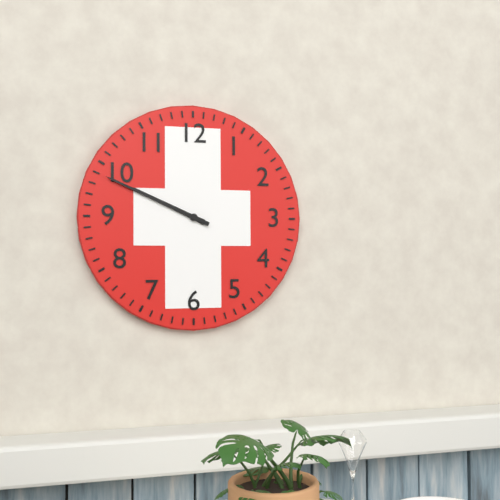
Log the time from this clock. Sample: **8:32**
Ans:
**9:49**
